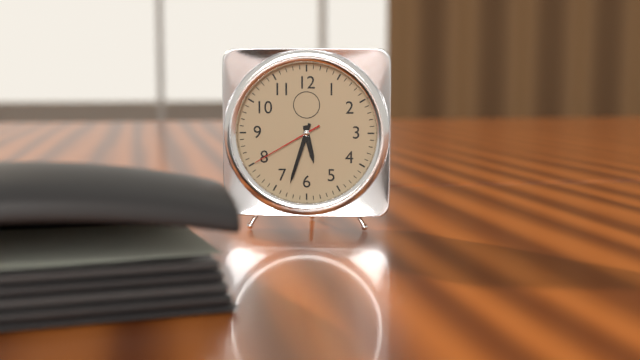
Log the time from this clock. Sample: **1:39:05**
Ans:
**5:33:40**
